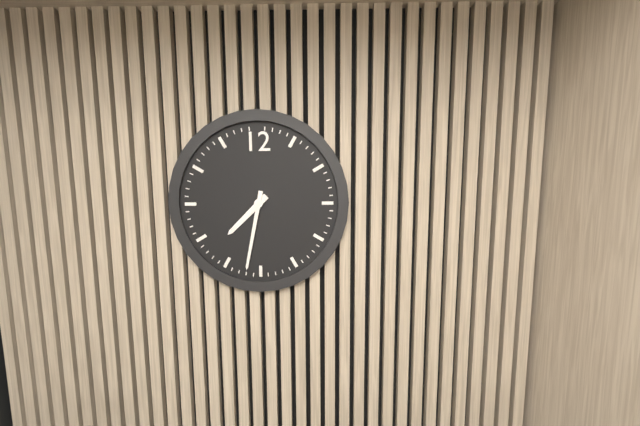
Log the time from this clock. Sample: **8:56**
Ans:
**7:32**
